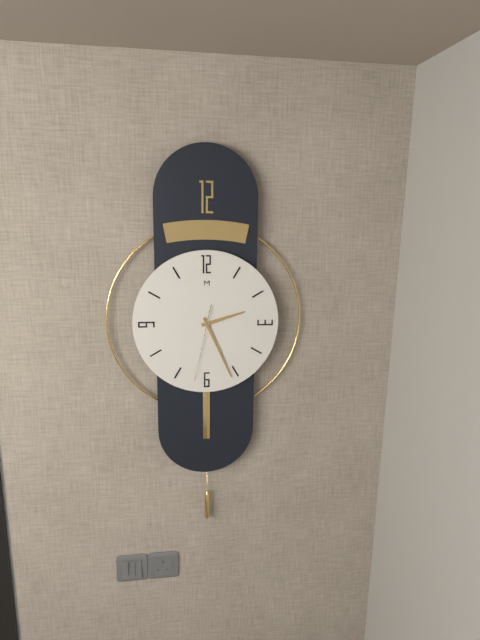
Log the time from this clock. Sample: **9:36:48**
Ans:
**2:26:32**
